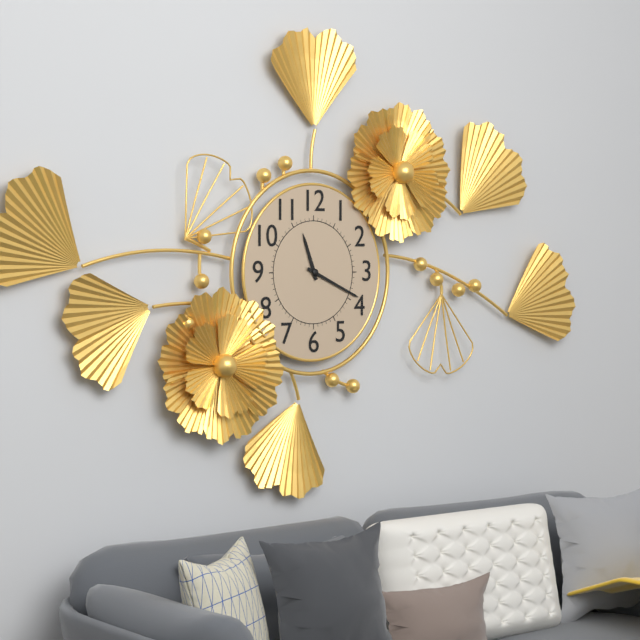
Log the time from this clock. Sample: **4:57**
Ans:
**11:19**
